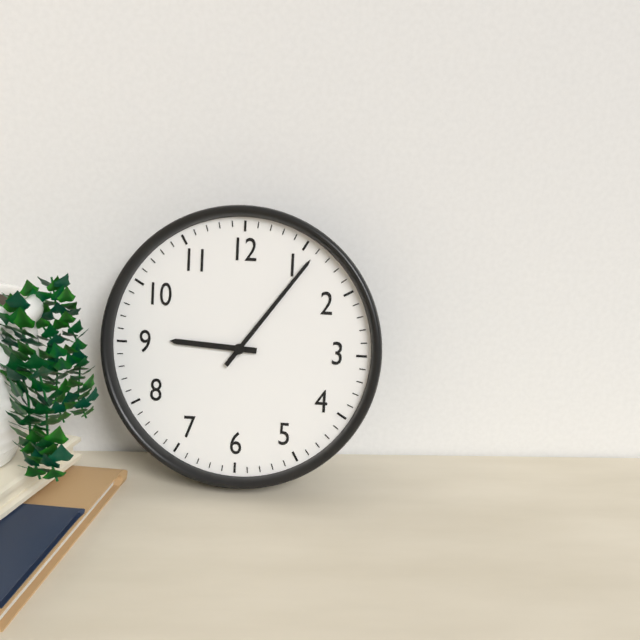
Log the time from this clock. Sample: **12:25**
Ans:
**9:06**
